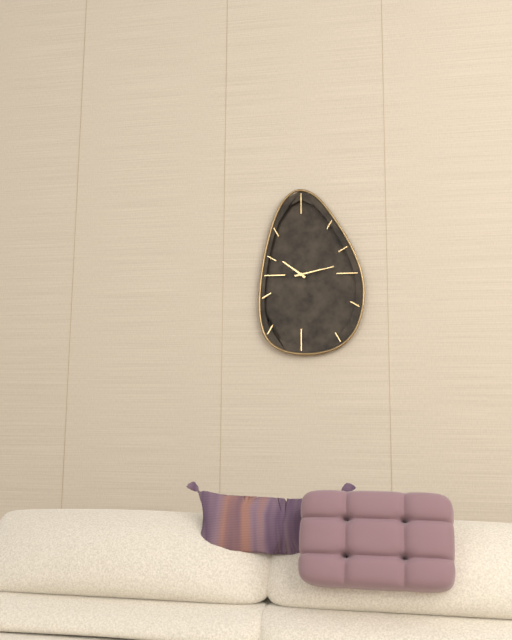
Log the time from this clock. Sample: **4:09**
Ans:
**10:13**
